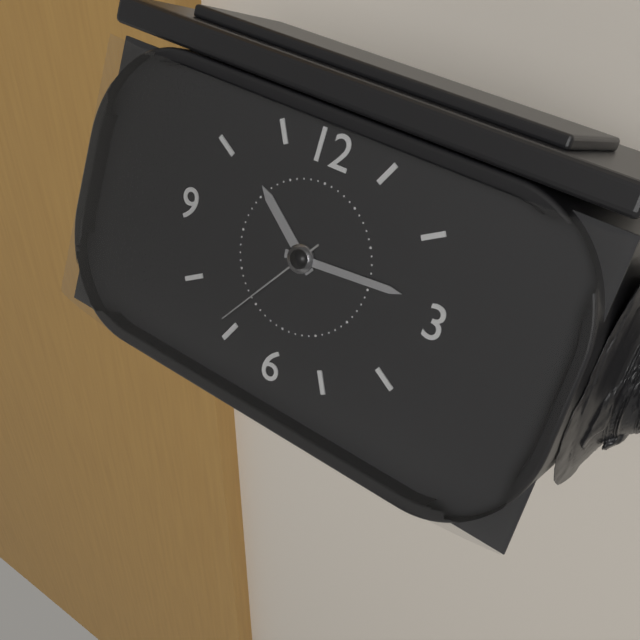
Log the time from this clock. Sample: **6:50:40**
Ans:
**10:14:36**
